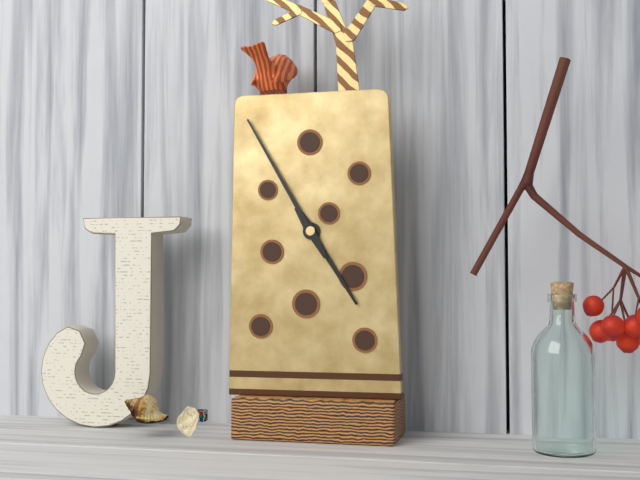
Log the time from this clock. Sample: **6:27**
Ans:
**4:55**
